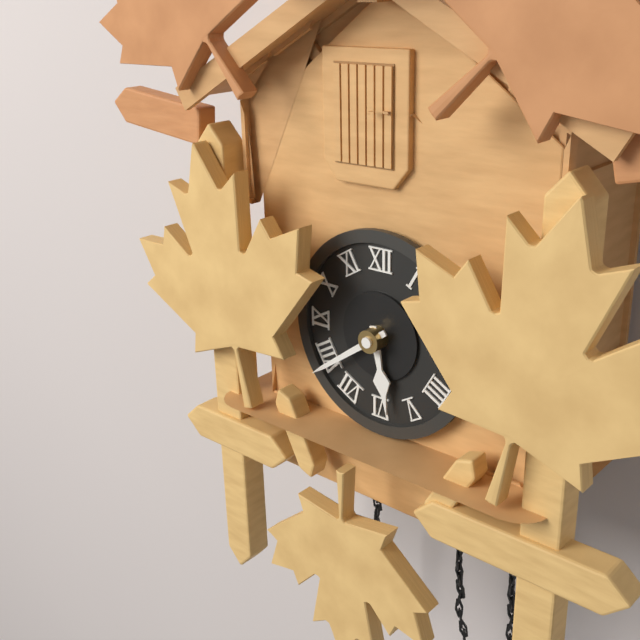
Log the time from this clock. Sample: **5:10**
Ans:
**5:39**
